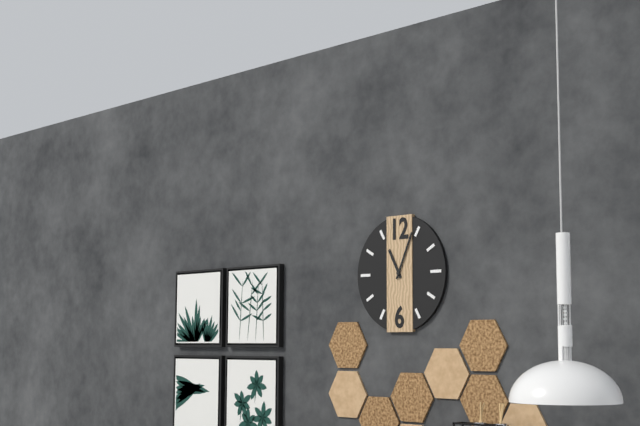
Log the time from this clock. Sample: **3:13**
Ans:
**11:04**
